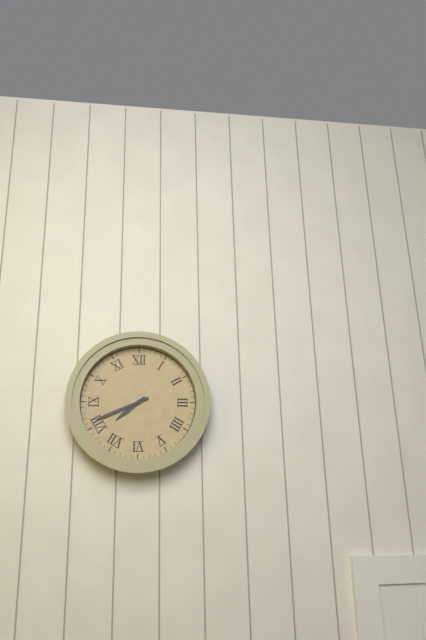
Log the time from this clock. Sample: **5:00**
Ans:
**7:41**
